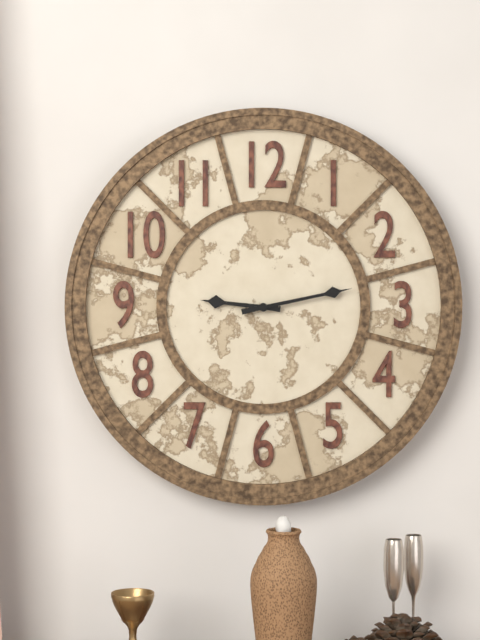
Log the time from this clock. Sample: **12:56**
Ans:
**9:13**
